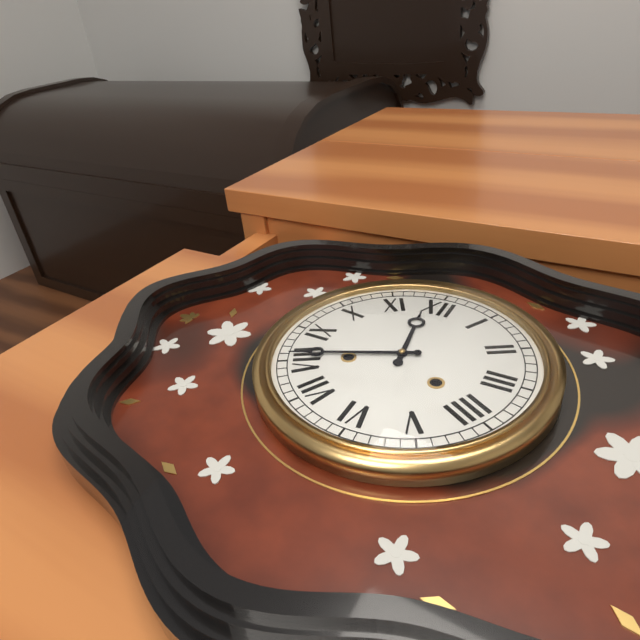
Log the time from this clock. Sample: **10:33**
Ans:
**11:41**
